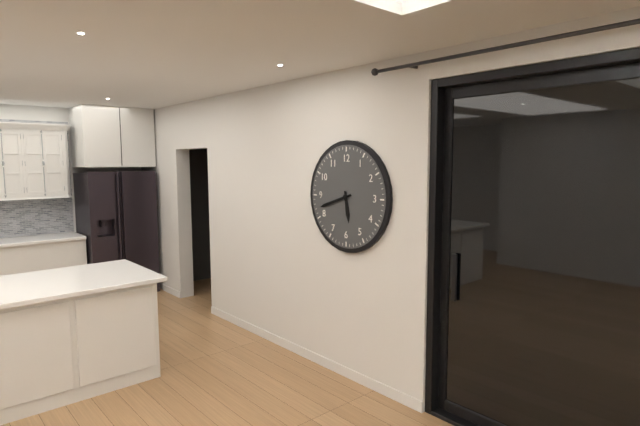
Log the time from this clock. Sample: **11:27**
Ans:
**5:42**
